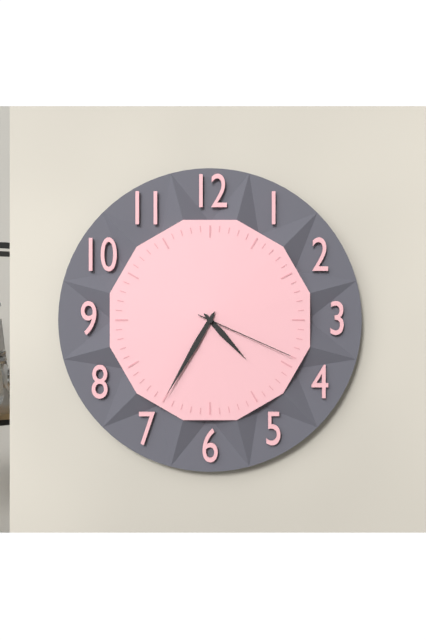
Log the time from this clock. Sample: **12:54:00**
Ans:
**4:35:19**
